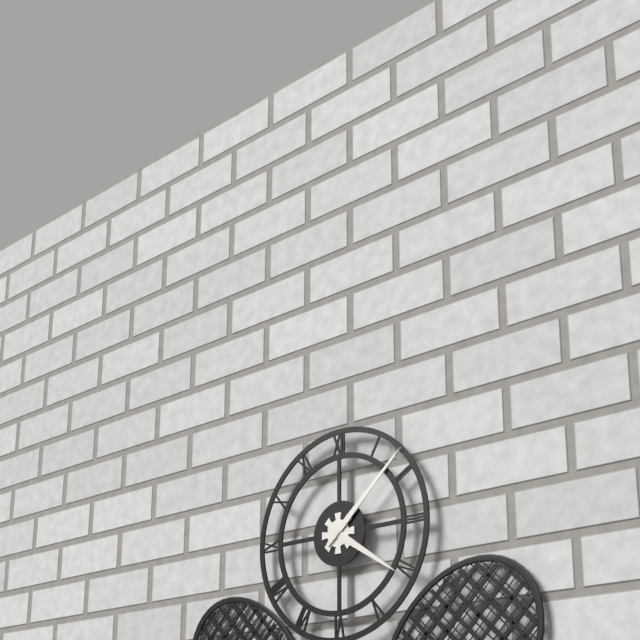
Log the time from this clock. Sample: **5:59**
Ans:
**4:08**
